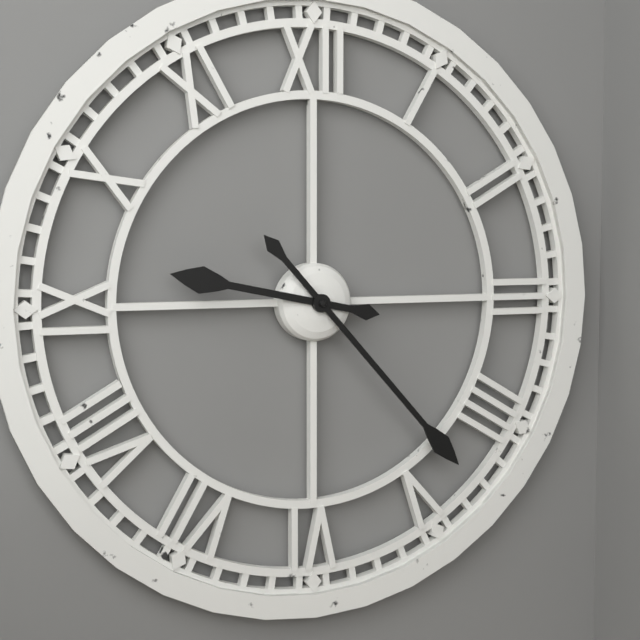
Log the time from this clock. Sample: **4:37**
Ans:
**9:23**
